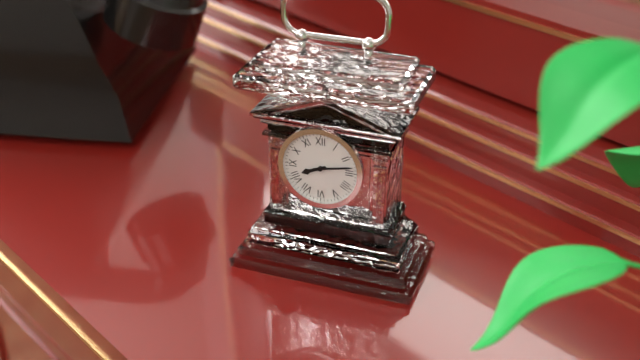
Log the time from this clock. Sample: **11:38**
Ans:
**8:13**
